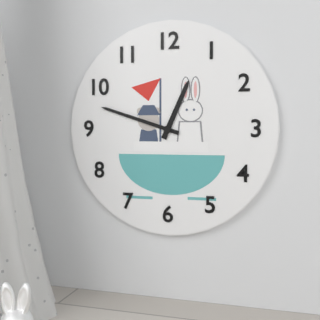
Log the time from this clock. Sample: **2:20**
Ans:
**12:48**
